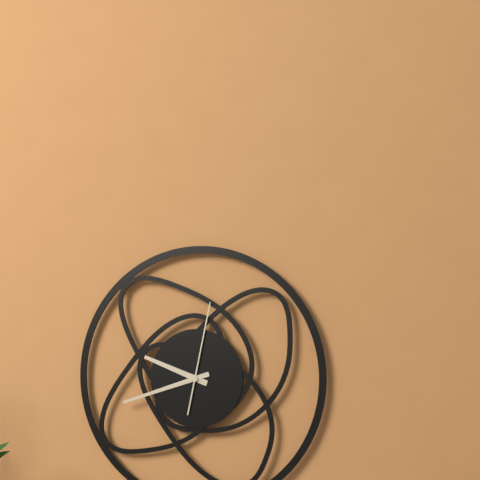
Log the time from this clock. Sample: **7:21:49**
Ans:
**9:42:02**
